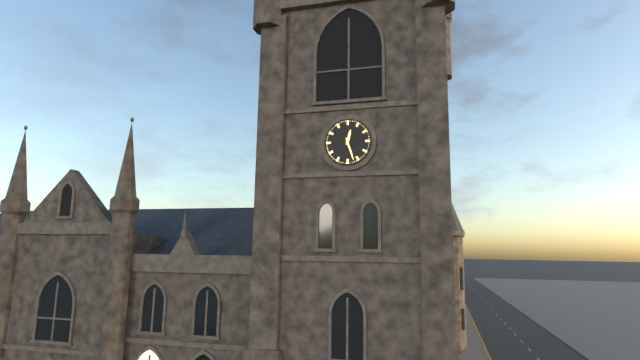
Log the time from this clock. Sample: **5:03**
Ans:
**12:27**
